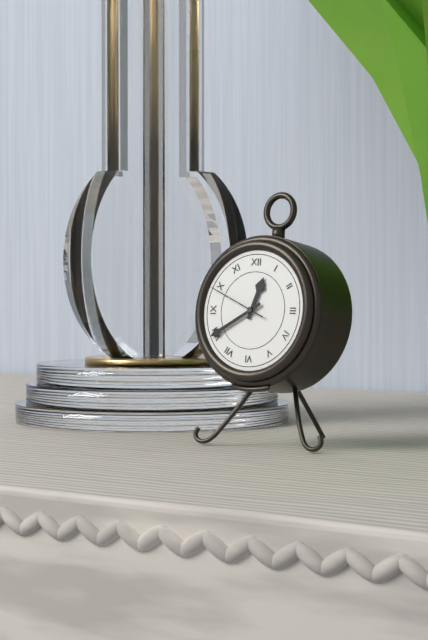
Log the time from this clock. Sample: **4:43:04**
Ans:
**12:40:49**
